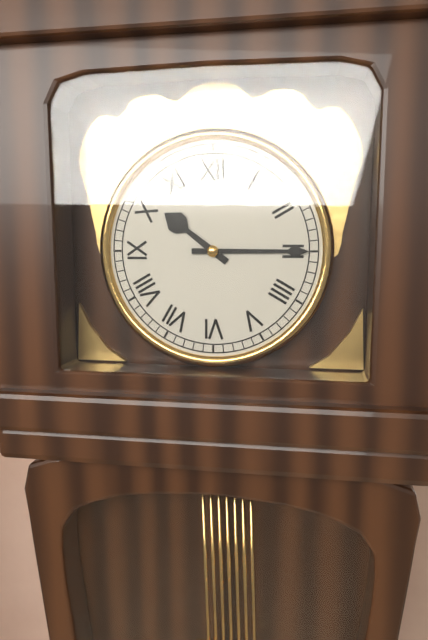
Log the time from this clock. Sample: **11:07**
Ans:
**10:15**
